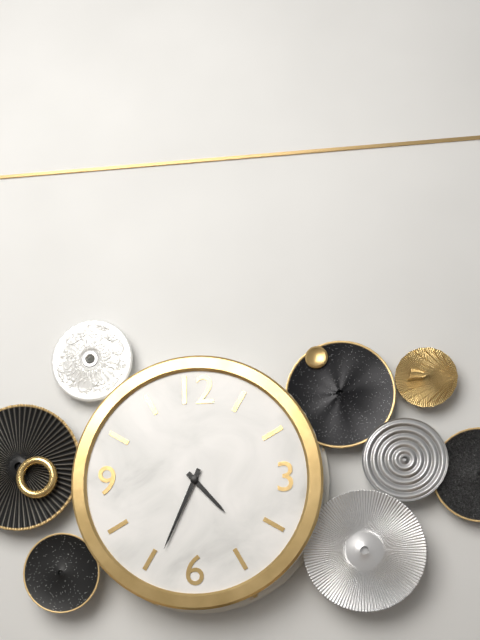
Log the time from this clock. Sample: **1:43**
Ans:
**4:34**
